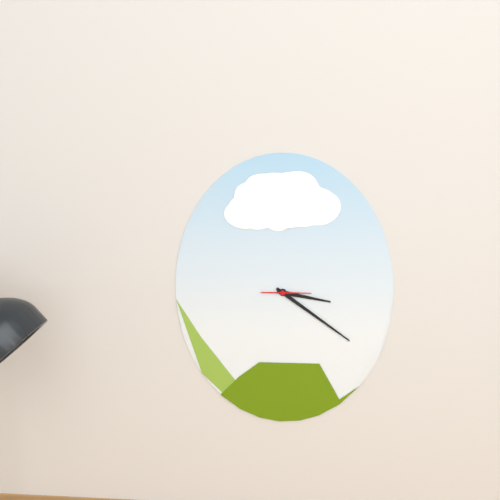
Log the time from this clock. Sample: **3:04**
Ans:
**3:21**
